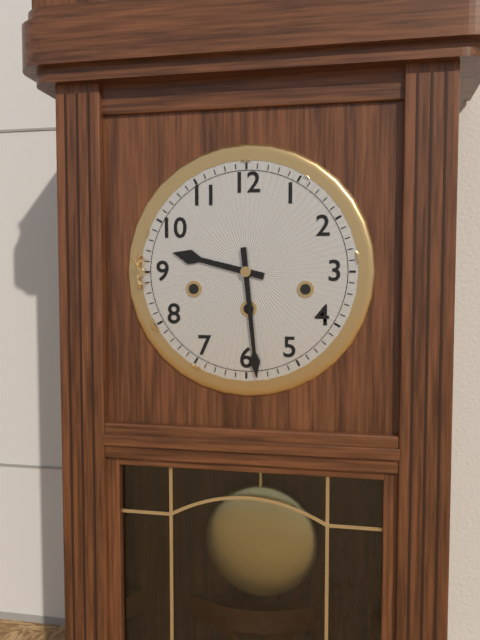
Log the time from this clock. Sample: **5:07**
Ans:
**9:29**
